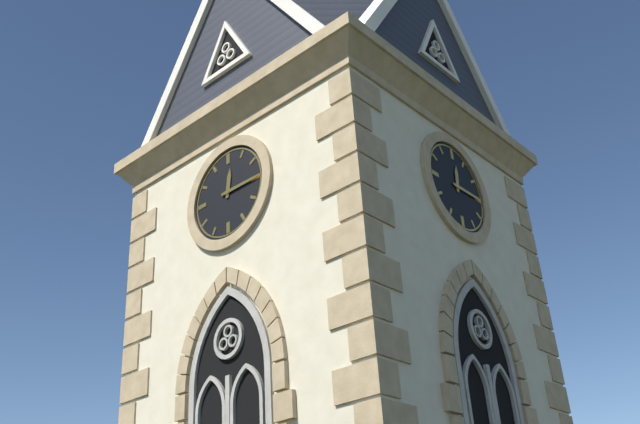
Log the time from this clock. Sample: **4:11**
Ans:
**12:15**
